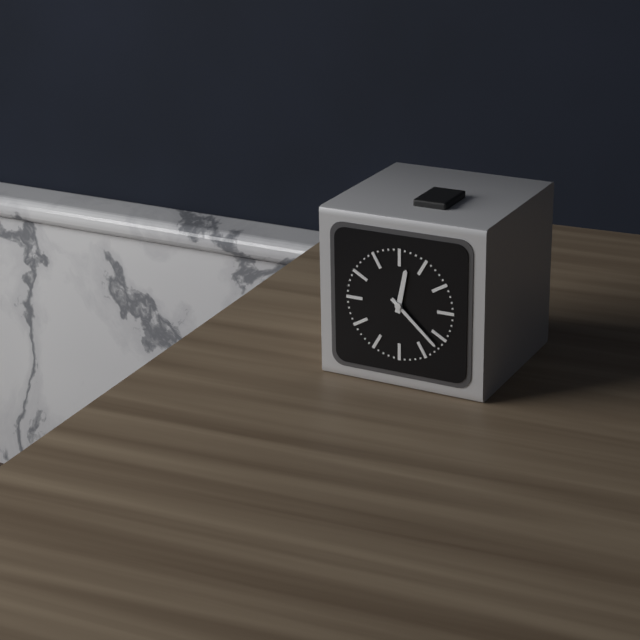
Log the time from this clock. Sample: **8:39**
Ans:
**12:22**
